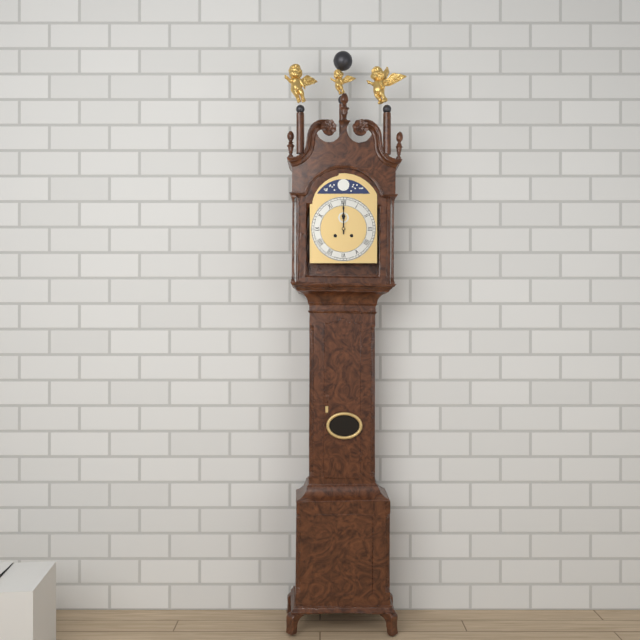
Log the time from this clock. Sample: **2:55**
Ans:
**12:00**
